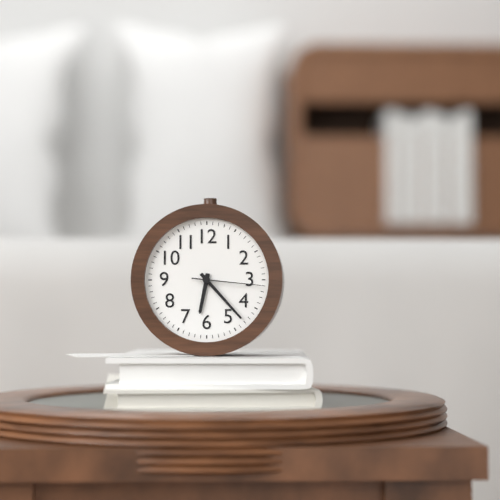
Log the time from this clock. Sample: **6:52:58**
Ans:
**6:23:16**
